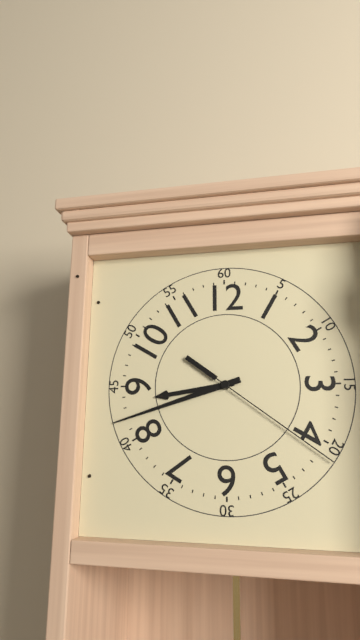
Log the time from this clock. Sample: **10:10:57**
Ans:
**8:42:21**
